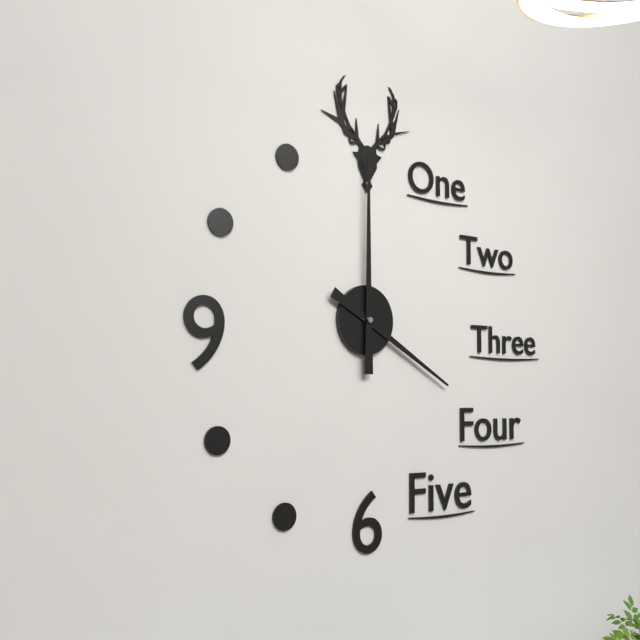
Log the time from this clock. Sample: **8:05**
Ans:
**4:00**
